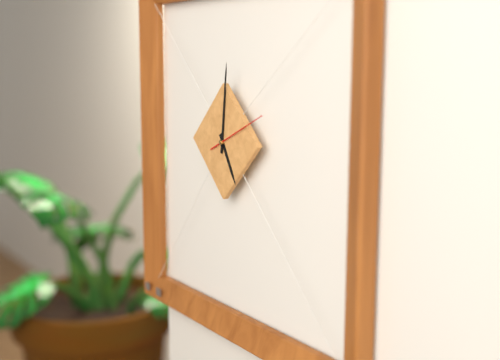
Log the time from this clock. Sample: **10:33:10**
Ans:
**5:01:11**
